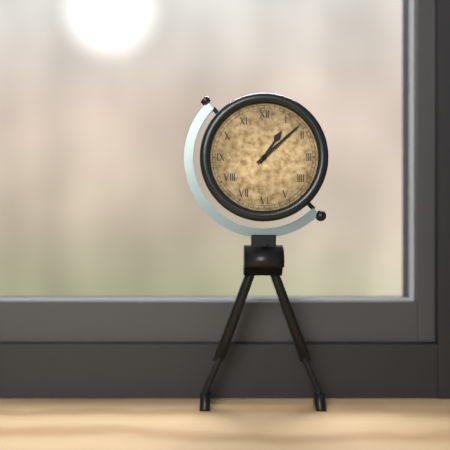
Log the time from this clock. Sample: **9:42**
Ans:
**1:08**
